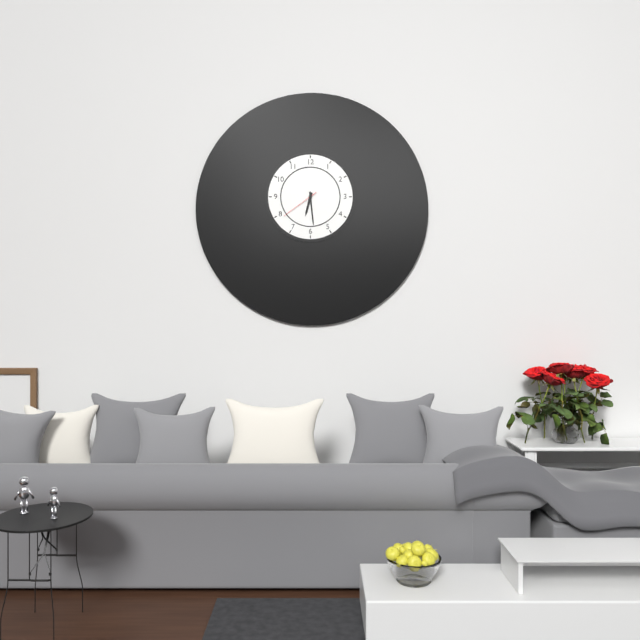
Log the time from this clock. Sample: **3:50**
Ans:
**6:29**
